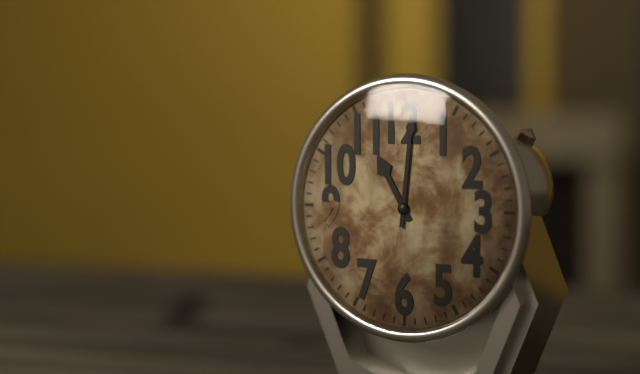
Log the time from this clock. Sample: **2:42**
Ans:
**11:01**
